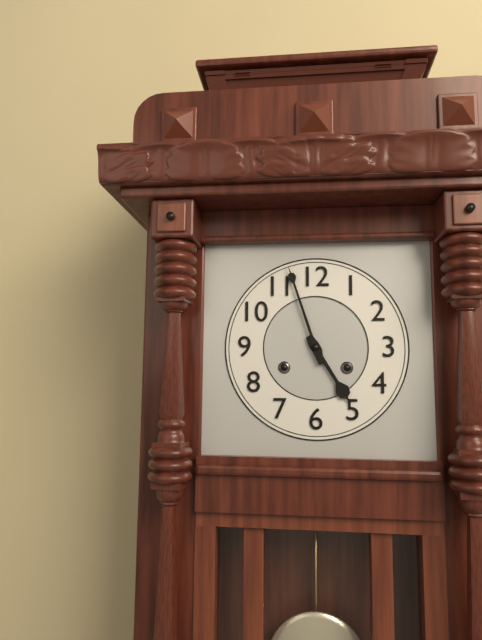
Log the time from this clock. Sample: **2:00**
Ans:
**4:57**
